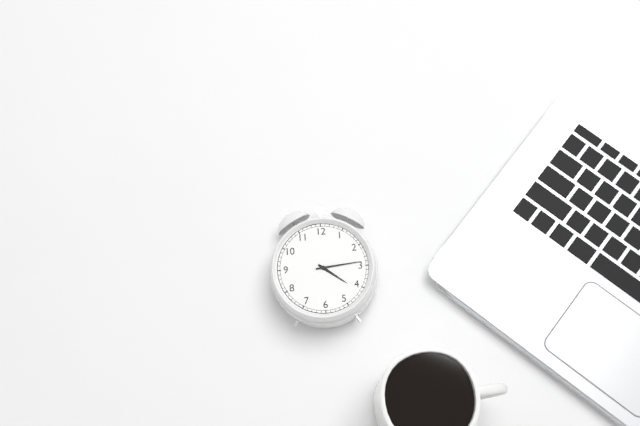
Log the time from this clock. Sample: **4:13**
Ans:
**4:14**
